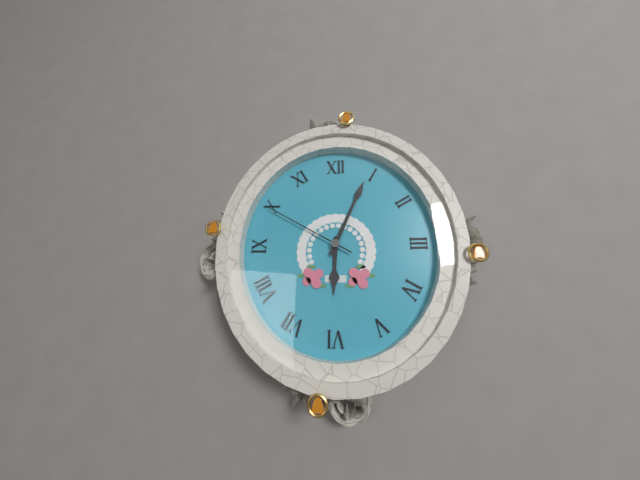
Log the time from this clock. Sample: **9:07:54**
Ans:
**6:04:50**
